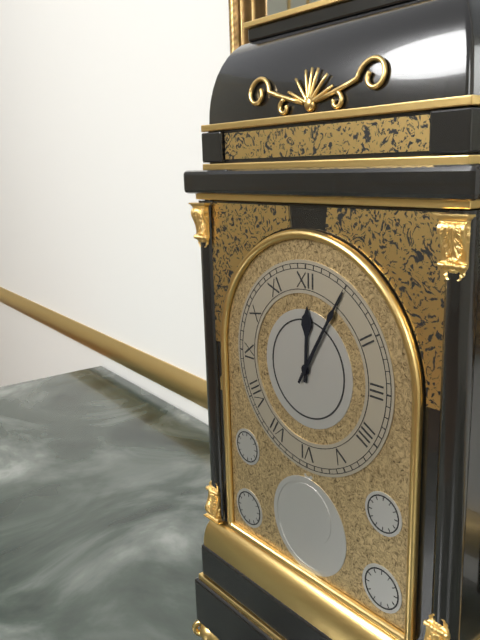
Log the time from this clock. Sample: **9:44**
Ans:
**12:05**
